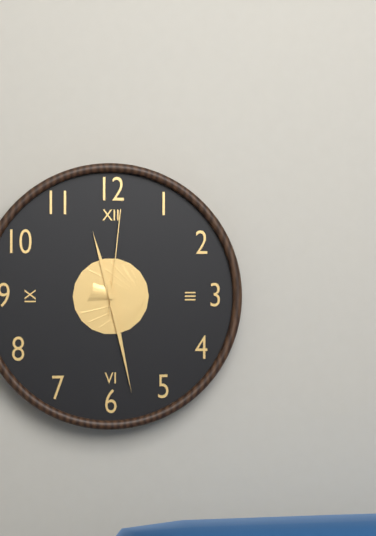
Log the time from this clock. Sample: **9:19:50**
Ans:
**11:28:01**
